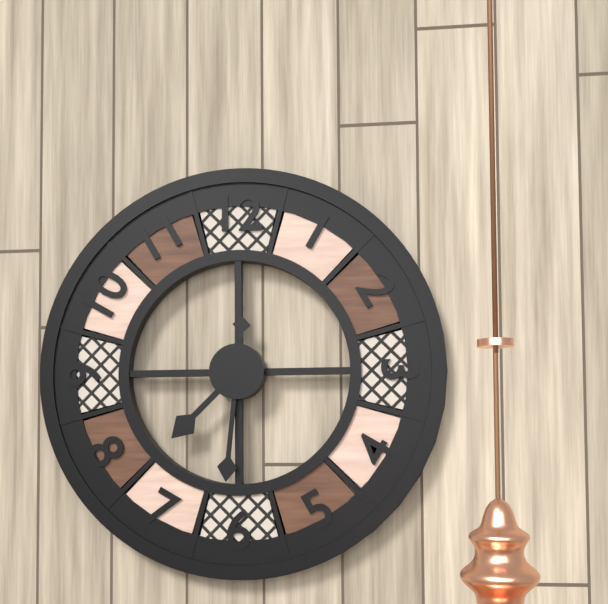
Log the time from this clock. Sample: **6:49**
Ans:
**7:31**
